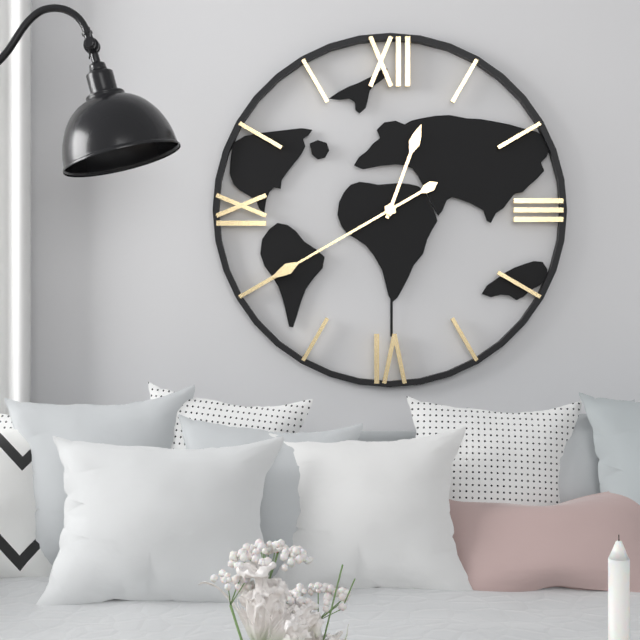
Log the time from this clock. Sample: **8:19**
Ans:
**12:40**
